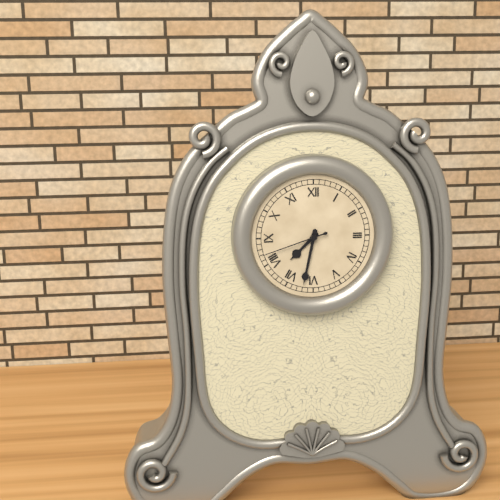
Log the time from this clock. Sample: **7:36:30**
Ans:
**7:32:42**
